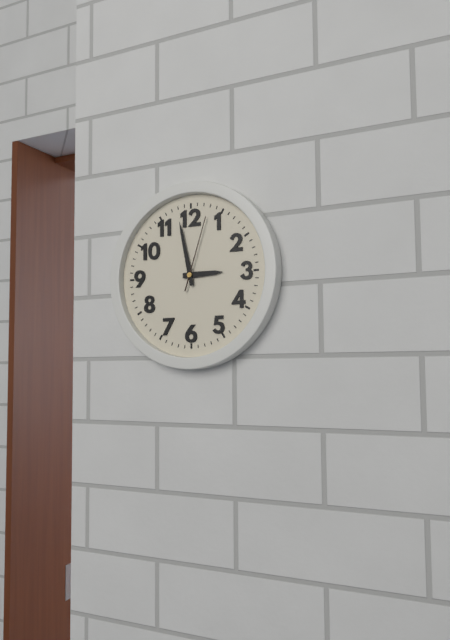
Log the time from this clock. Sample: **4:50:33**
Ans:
**2:58:03**
